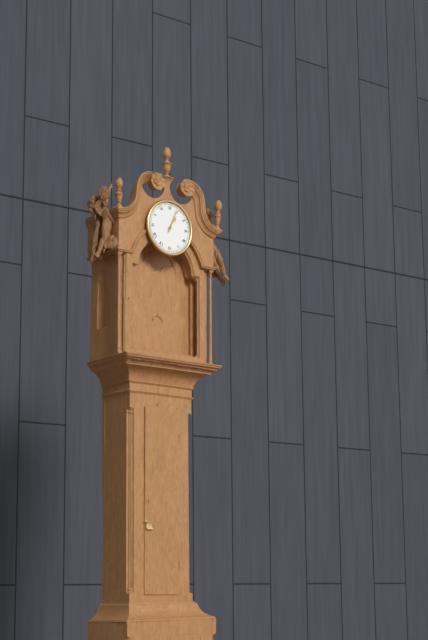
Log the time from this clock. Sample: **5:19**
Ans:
**1:04**
